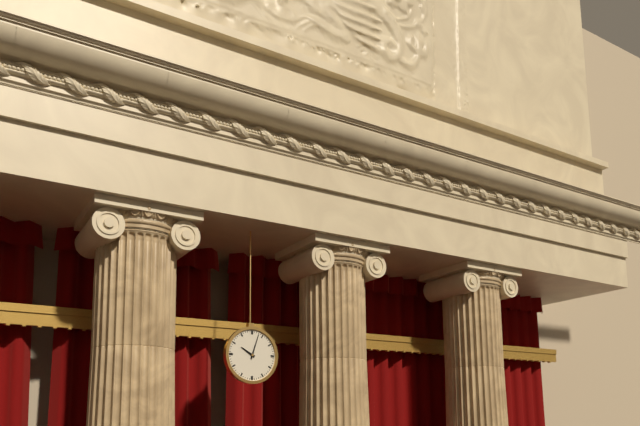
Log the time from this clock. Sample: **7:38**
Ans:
**10:03**
